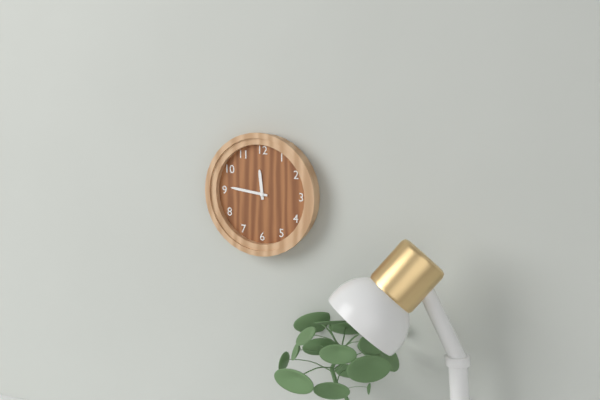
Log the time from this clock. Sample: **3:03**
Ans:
**11:46**
